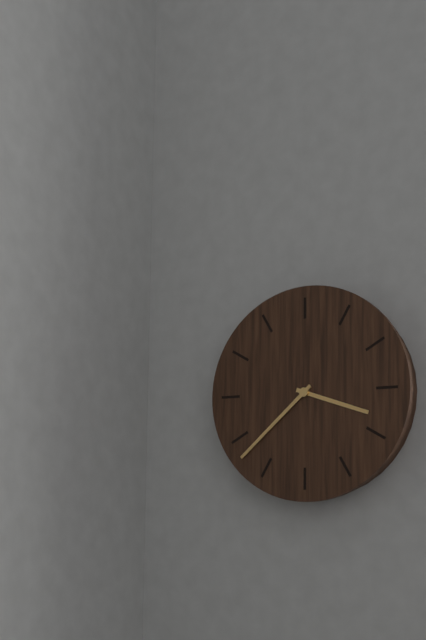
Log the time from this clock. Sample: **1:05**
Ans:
**3:38**
